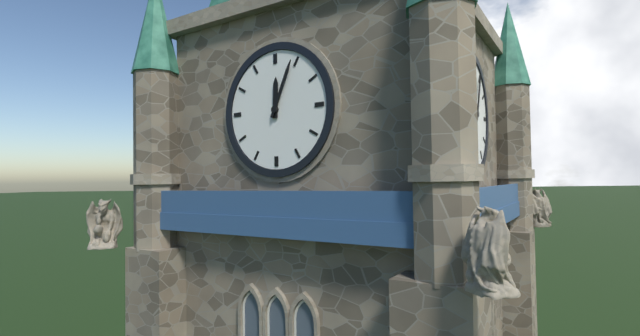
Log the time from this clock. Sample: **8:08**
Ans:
**12:04**
